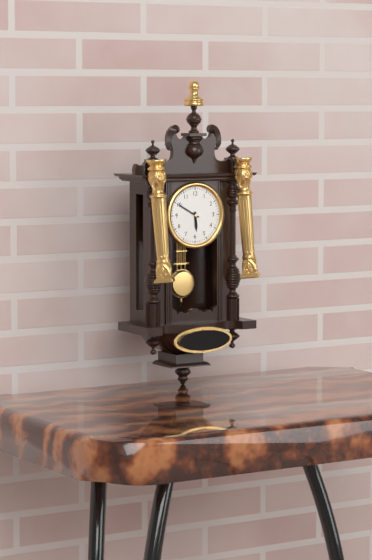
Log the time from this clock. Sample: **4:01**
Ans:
**5:50**
